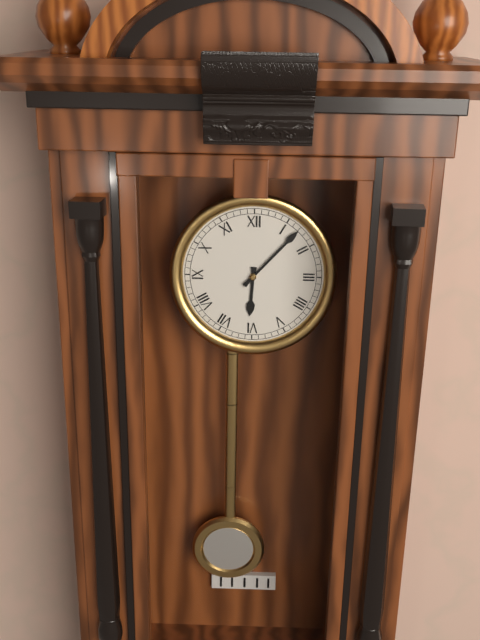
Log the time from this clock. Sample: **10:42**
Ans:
**6:07**
